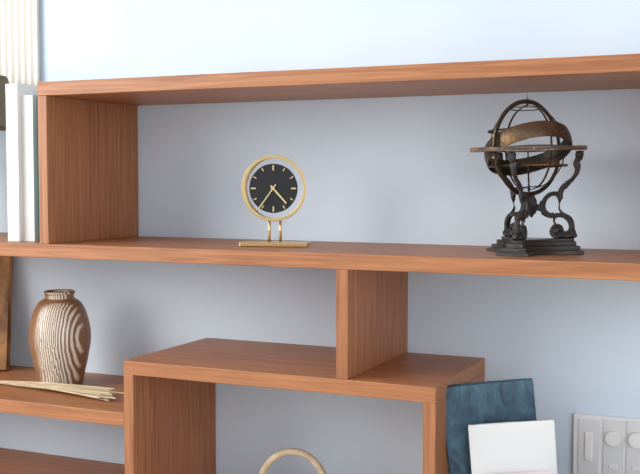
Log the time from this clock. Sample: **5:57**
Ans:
**4:36**
